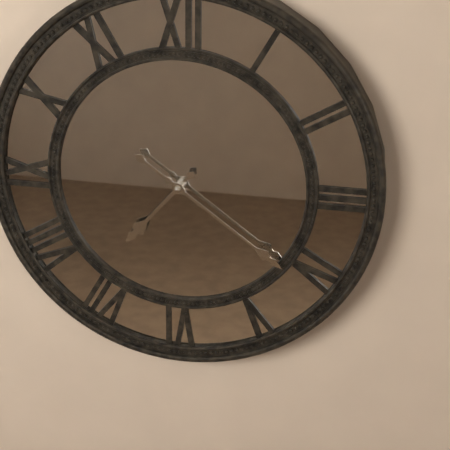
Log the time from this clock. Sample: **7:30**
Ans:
**7:21**
